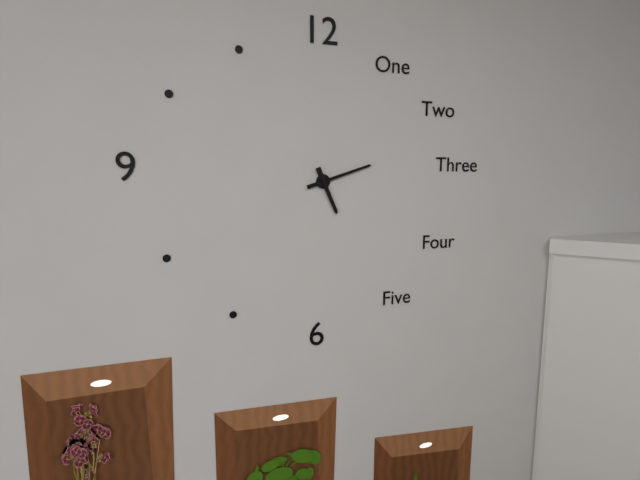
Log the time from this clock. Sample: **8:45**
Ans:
**5:12**
